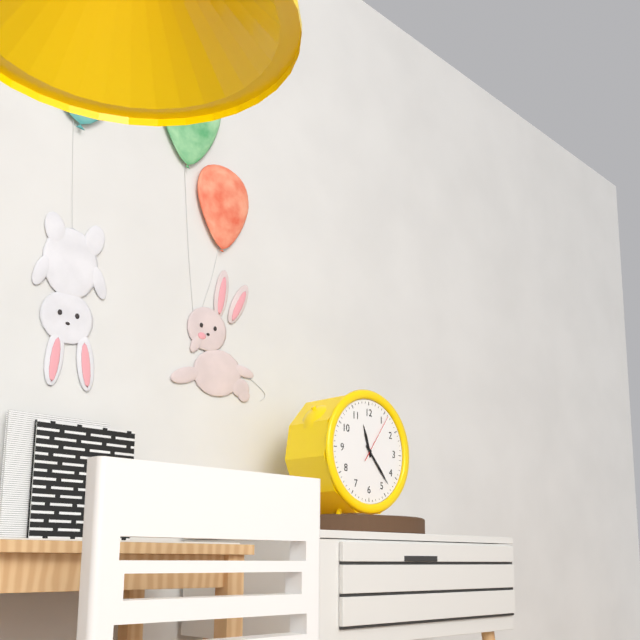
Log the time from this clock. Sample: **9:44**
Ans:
**11:23**
